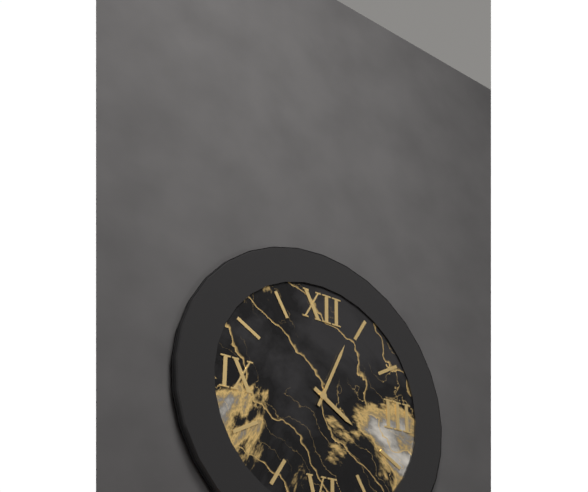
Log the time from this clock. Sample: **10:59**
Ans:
**4:04**
